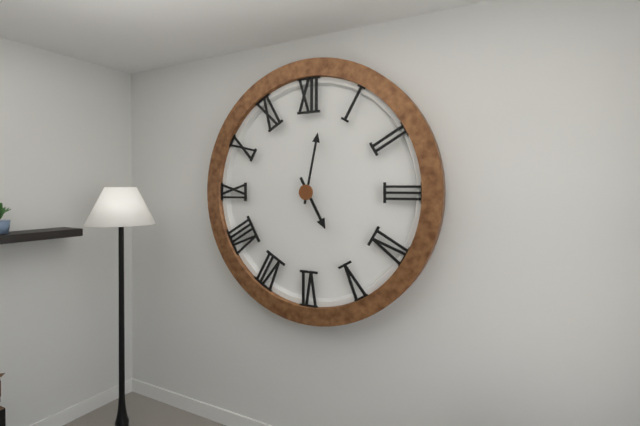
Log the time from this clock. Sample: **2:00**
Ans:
**5:02**
